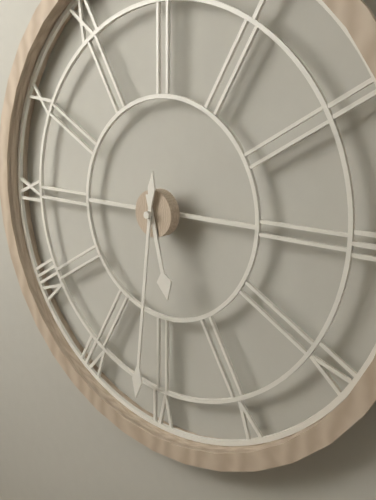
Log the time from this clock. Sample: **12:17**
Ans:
**5:31**
